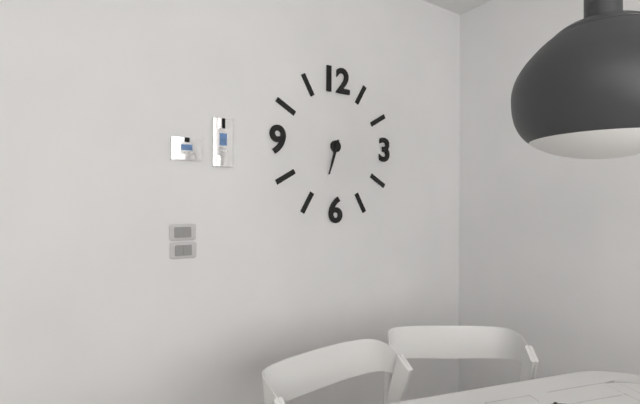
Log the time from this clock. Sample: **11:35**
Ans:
**6:33**
